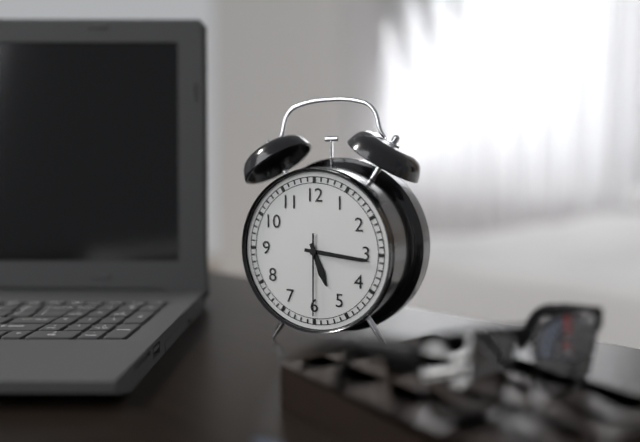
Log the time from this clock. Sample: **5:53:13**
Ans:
**5:16:30**
